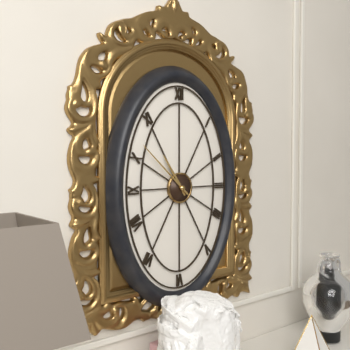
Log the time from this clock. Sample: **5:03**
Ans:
**10:52**
